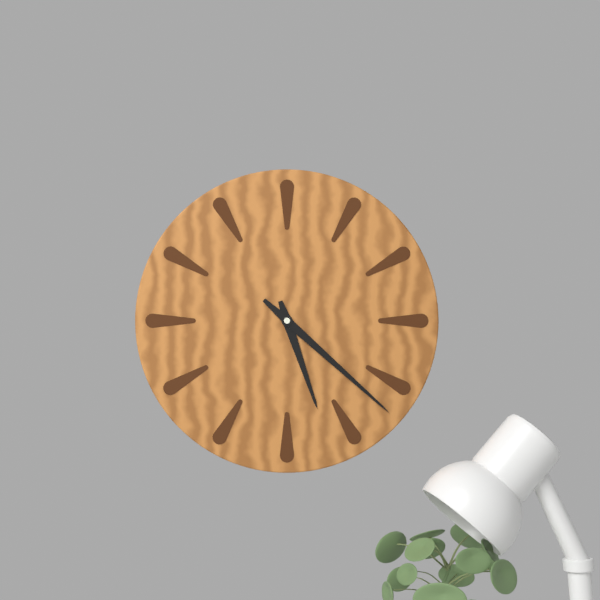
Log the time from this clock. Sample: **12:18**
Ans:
**5:22**
